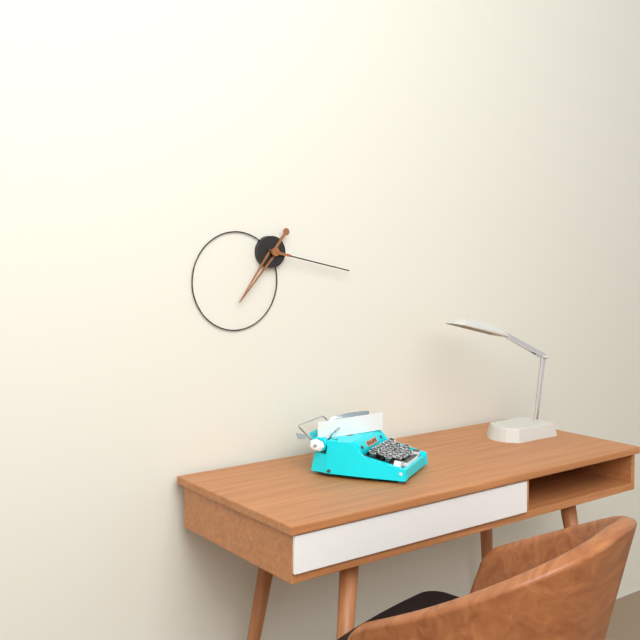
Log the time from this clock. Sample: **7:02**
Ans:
**7:17**
